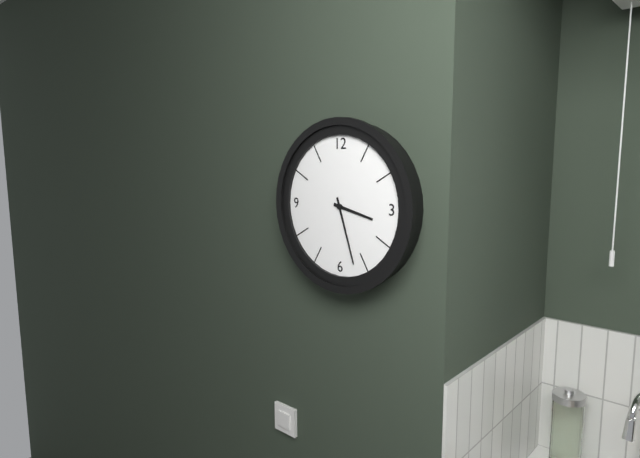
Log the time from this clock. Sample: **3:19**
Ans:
**3:27**
